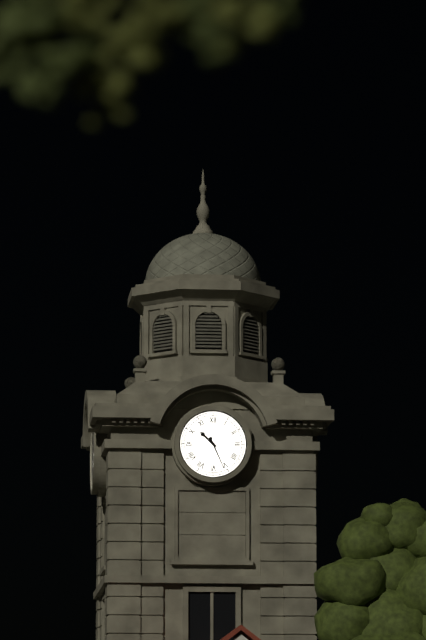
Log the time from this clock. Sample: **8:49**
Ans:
**10:26**
